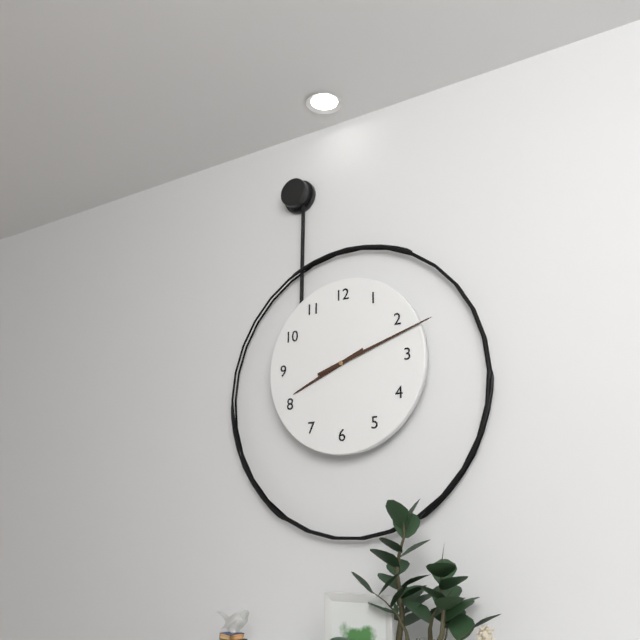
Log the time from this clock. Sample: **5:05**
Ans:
**8:12**
